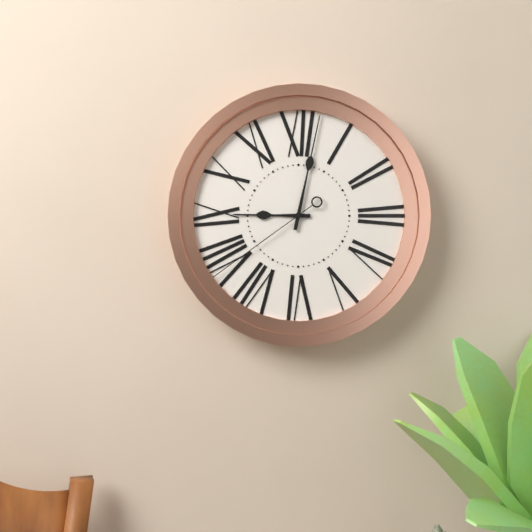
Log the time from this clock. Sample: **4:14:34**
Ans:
**9:02:39**
